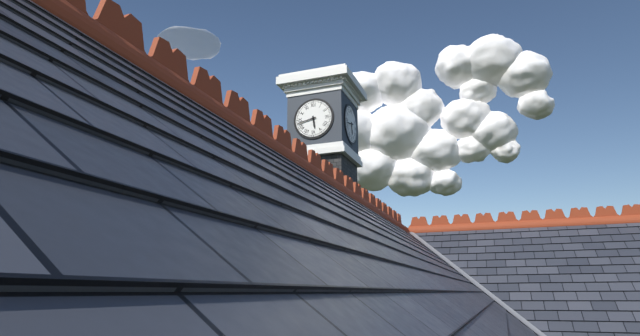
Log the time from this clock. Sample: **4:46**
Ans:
**5:43**
